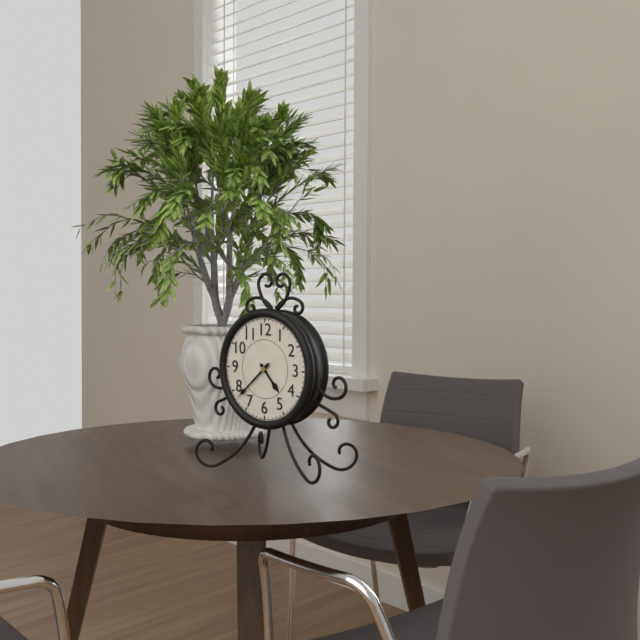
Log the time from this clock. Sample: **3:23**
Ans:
**4:38**
